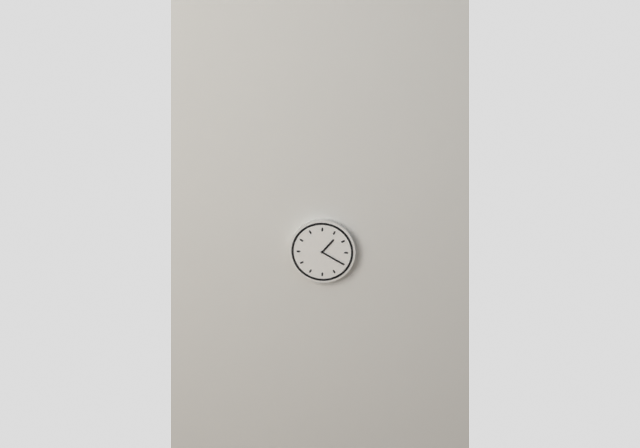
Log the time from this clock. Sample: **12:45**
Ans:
**1:20**
